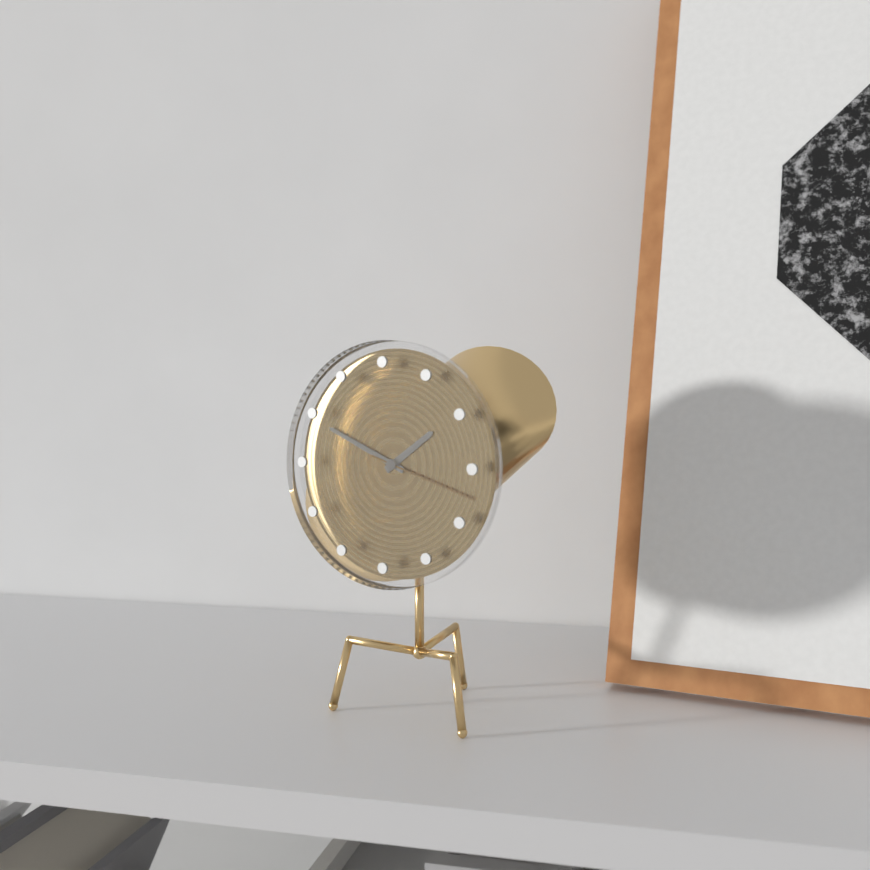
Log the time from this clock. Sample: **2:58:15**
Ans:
**1:49:18**
